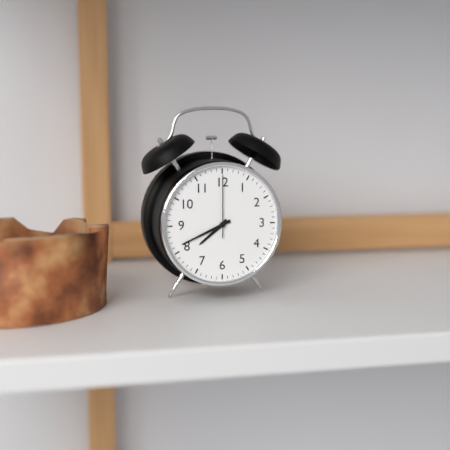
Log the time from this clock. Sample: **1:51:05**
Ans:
**7:41:00**
